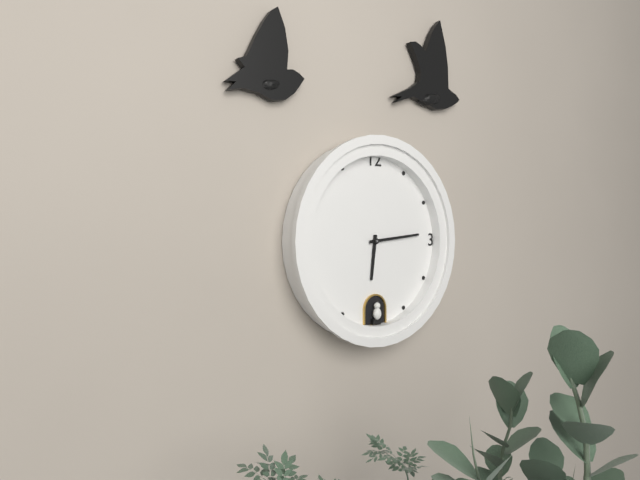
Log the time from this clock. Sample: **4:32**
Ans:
**6:14**
